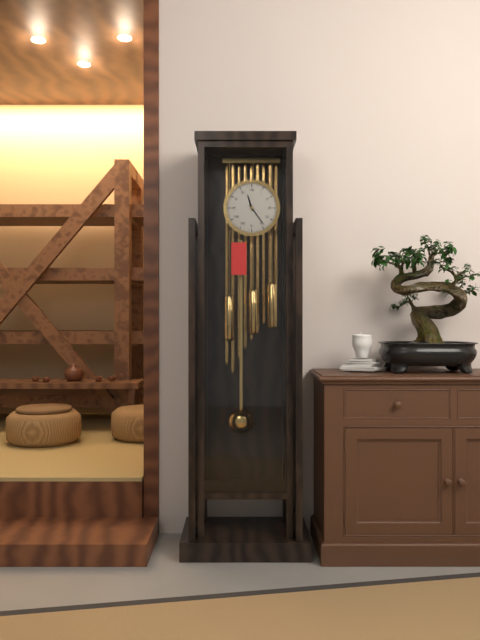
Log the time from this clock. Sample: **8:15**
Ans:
**11:24**
